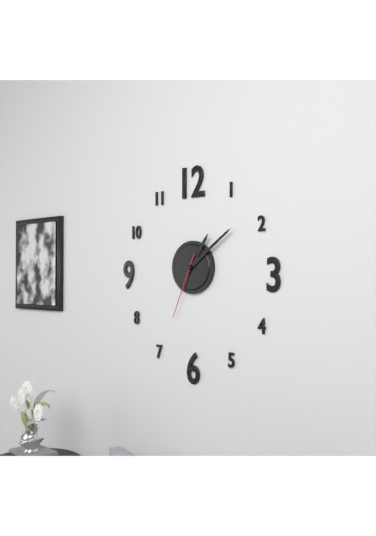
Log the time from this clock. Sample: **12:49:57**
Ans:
**1:09:34**
